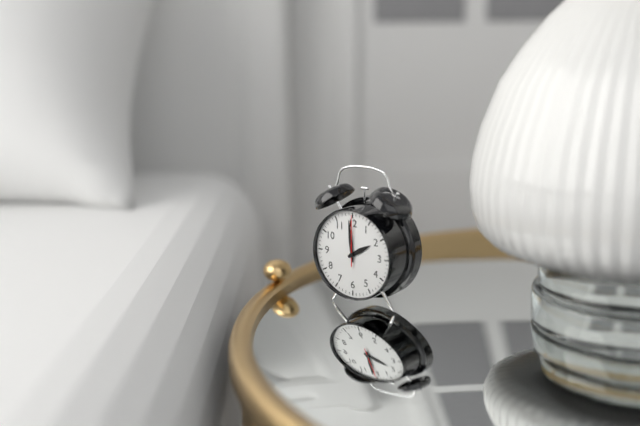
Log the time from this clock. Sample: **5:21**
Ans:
**1:59**
